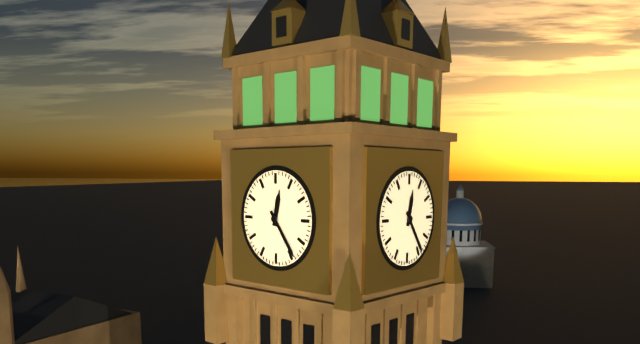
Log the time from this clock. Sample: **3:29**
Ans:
**12:24**
